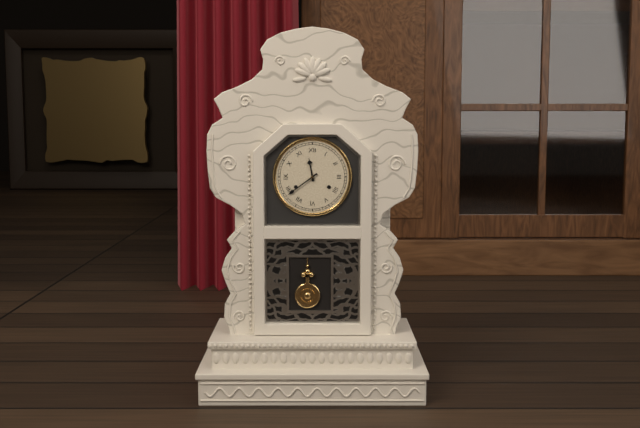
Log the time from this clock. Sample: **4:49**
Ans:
**11:39**
